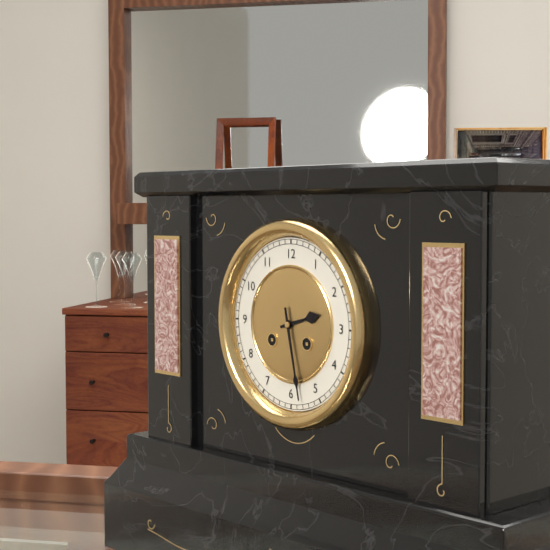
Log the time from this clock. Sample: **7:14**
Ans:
**2:28**
